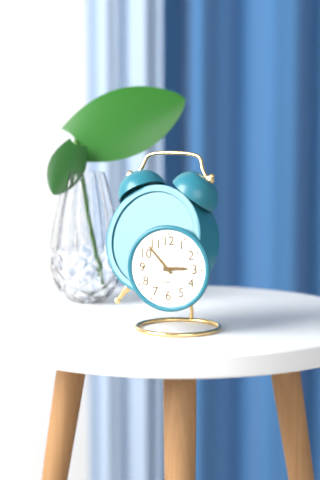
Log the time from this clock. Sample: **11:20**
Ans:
**2:53**
